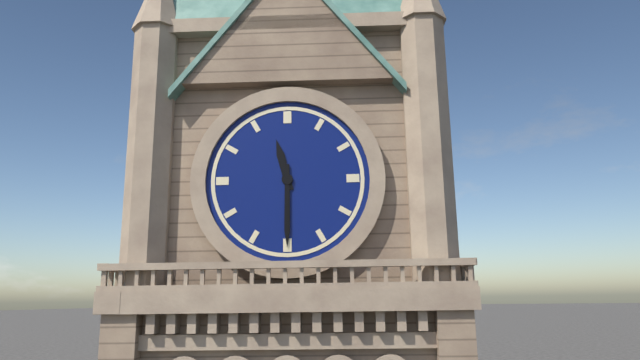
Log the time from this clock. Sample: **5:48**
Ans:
**11:30**
